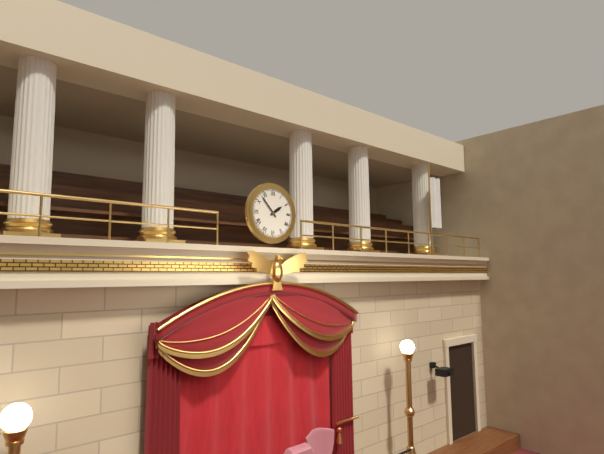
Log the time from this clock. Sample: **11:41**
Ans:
**1:53**
